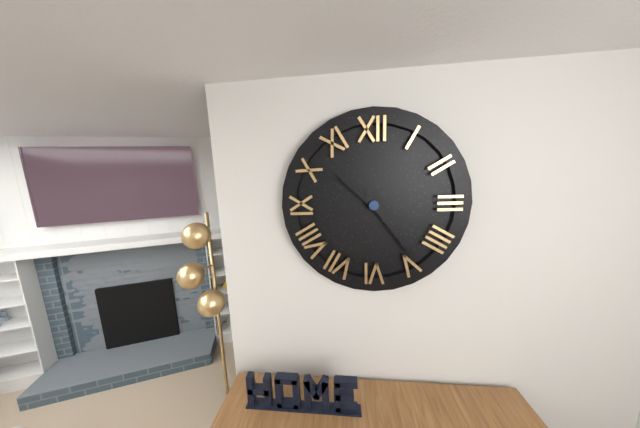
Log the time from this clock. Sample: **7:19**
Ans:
**10:24**
